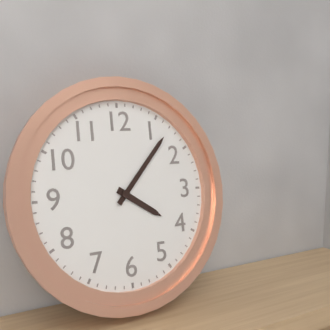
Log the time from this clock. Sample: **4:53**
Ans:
**4:07**
